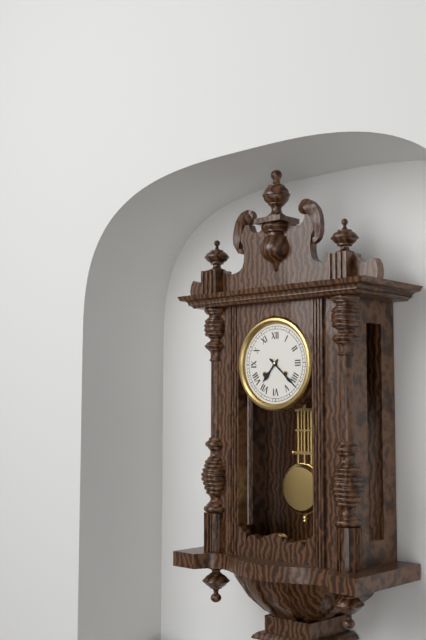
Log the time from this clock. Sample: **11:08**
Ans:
**7:22**
